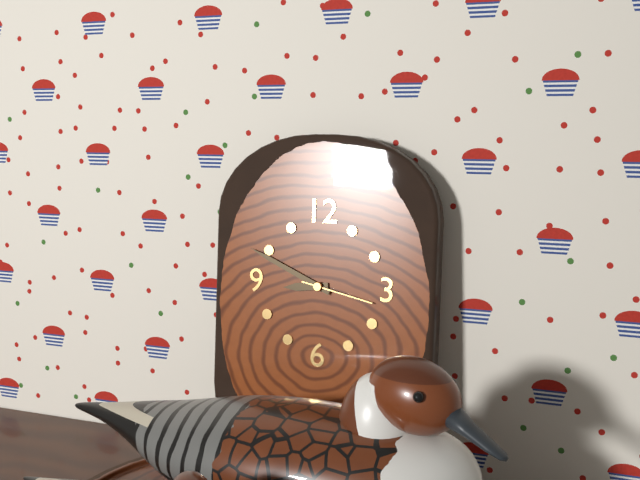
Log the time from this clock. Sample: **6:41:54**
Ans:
**8:49:17**
